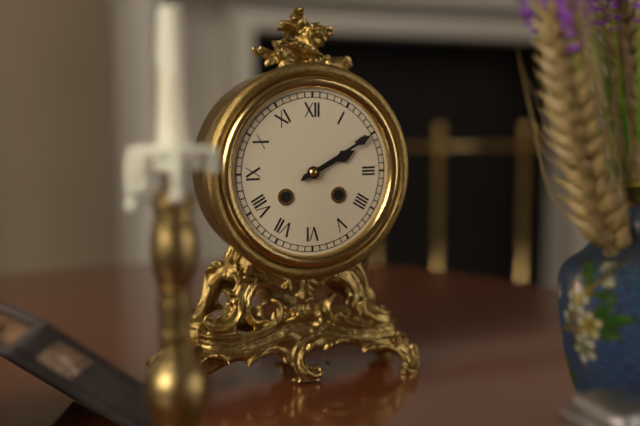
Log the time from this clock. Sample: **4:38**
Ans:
**2:10**
